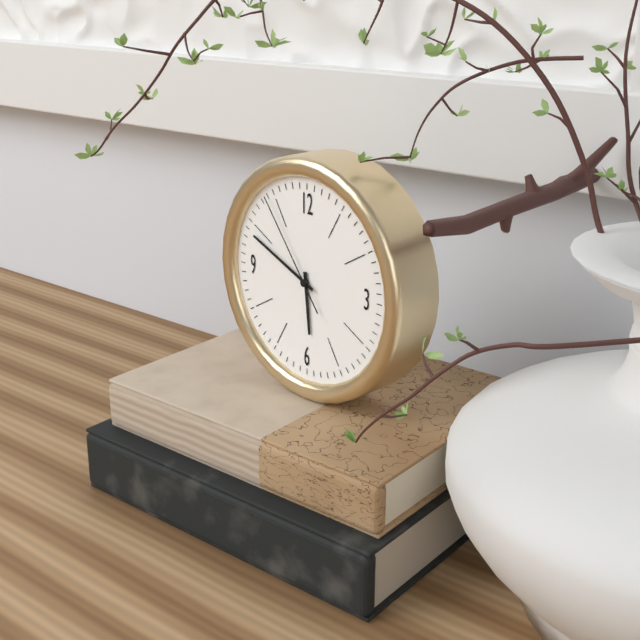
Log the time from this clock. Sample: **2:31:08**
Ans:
**5:49:54**
